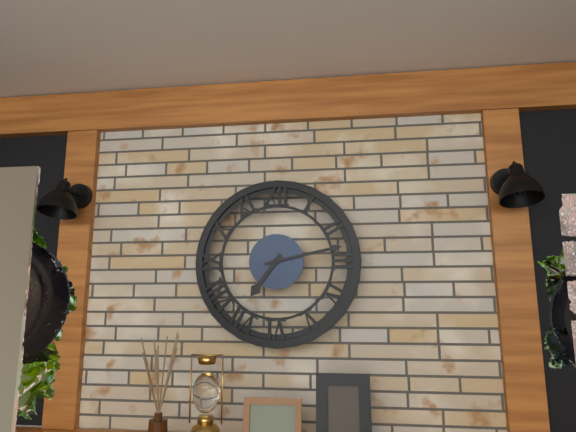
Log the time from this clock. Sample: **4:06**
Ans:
**7:13**
